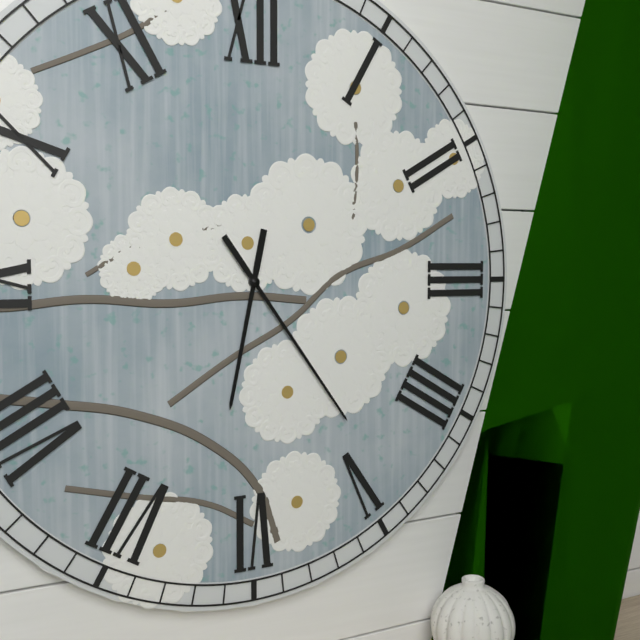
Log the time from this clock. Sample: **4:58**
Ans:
**6:24**
